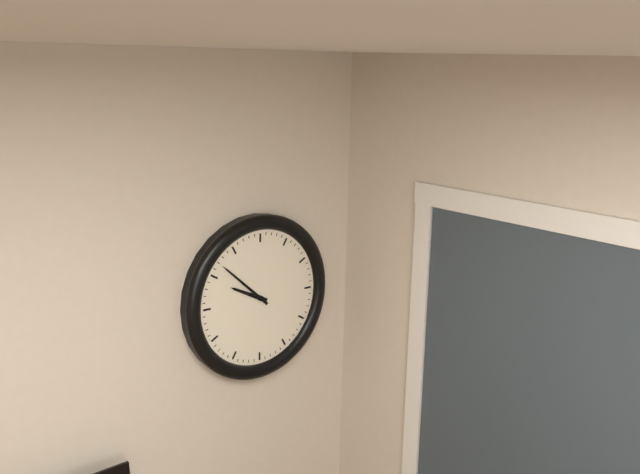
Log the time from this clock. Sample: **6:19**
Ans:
**9:52**
